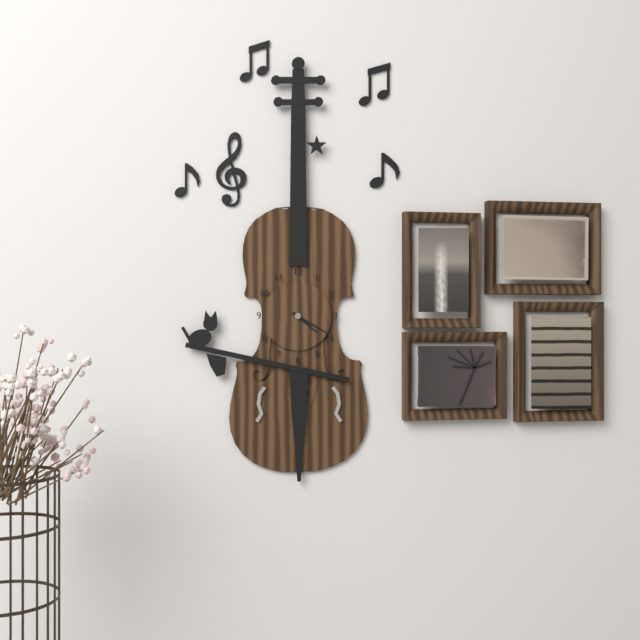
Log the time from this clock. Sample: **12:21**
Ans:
**4:20**
